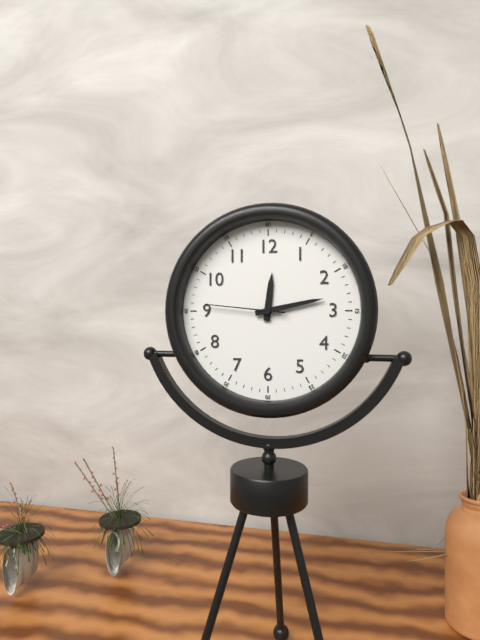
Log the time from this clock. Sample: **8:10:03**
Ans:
**12:13:46**
